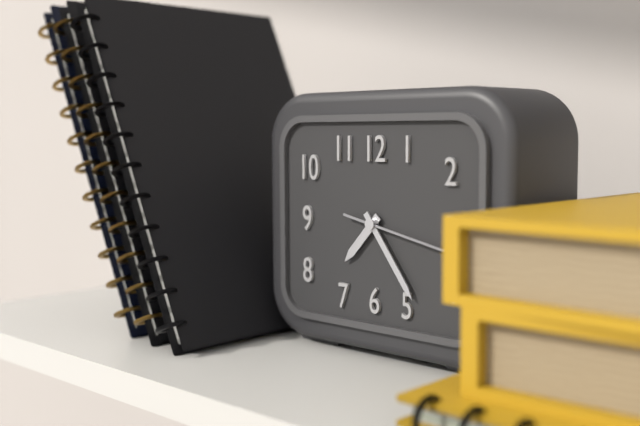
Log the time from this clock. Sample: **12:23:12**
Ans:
**7:24:17**
